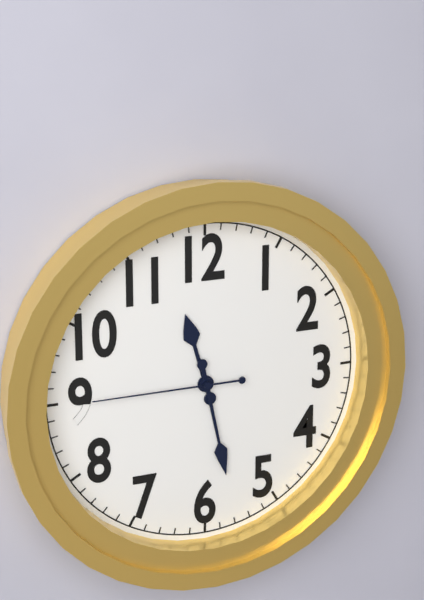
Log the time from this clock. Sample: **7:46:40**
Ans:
**11:28:45**
